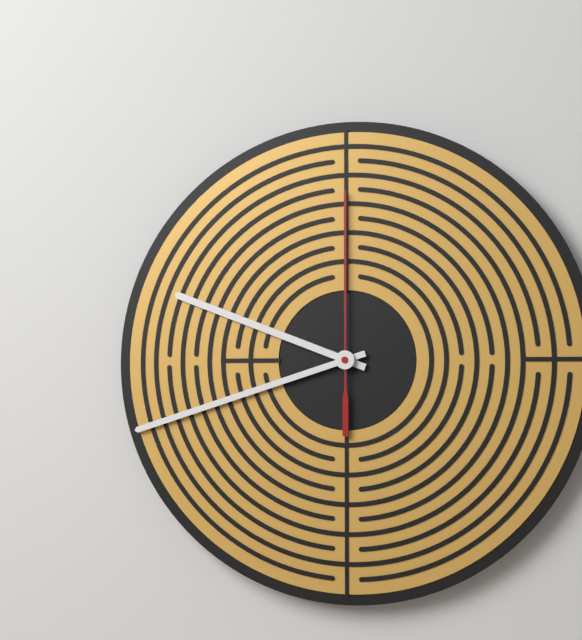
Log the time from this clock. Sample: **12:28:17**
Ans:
**9:42:00**
